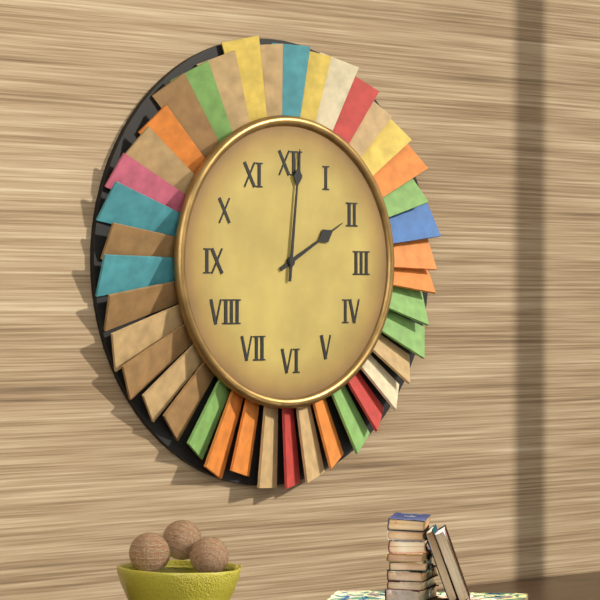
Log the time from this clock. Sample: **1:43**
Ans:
**2:01**
